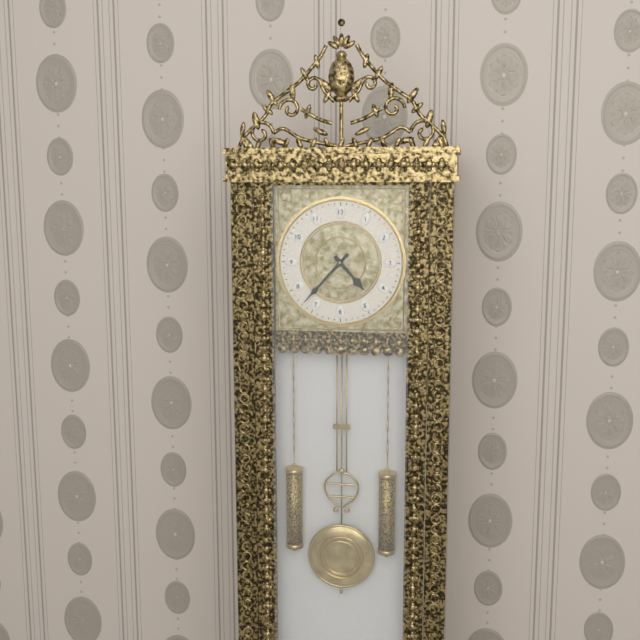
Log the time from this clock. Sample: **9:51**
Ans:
**4:37**
